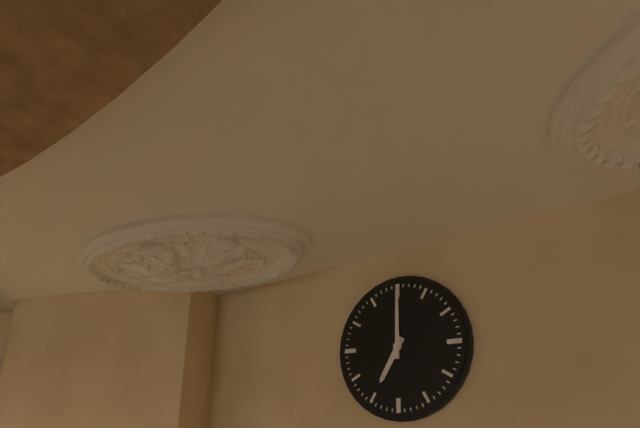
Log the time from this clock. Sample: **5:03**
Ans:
**7:00**
